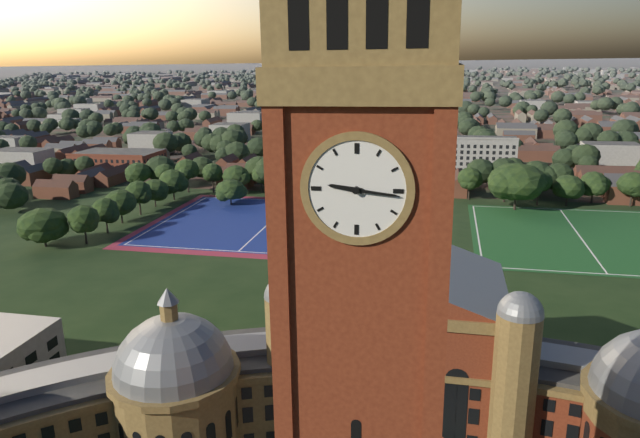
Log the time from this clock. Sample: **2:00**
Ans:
**9:16**
